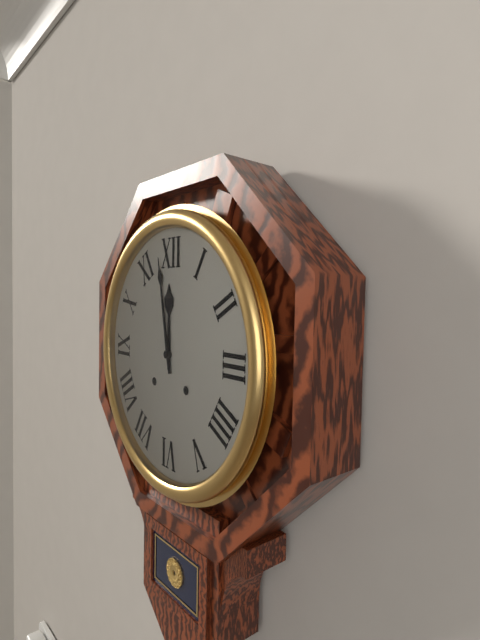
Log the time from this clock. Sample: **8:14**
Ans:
**11:58**
